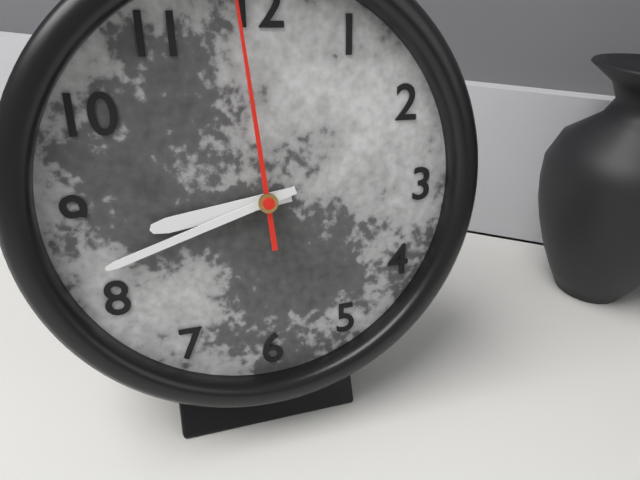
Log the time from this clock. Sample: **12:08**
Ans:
**8:42**
